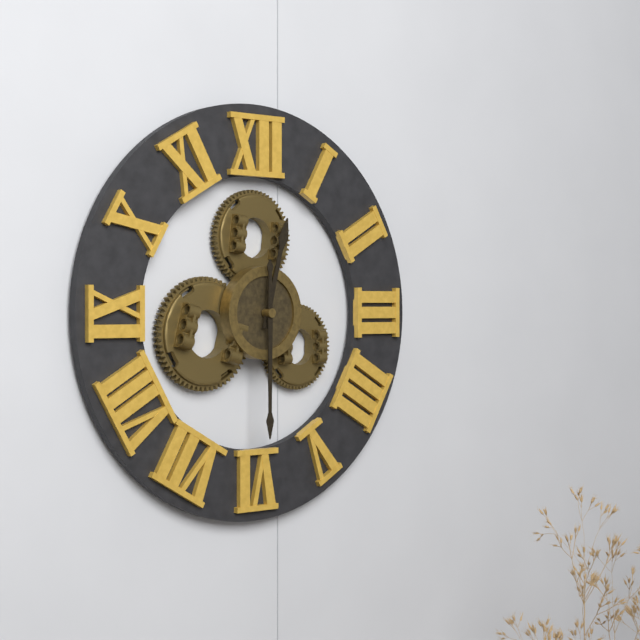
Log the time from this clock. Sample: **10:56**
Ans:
**12:30**
